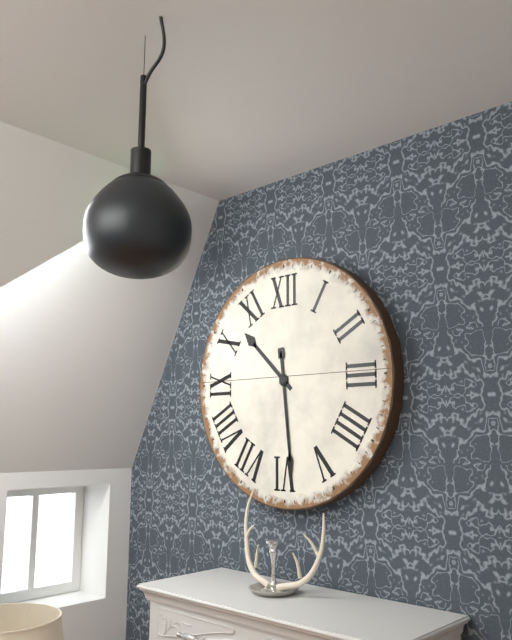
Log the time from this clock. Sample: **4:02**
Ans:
**10:29**
